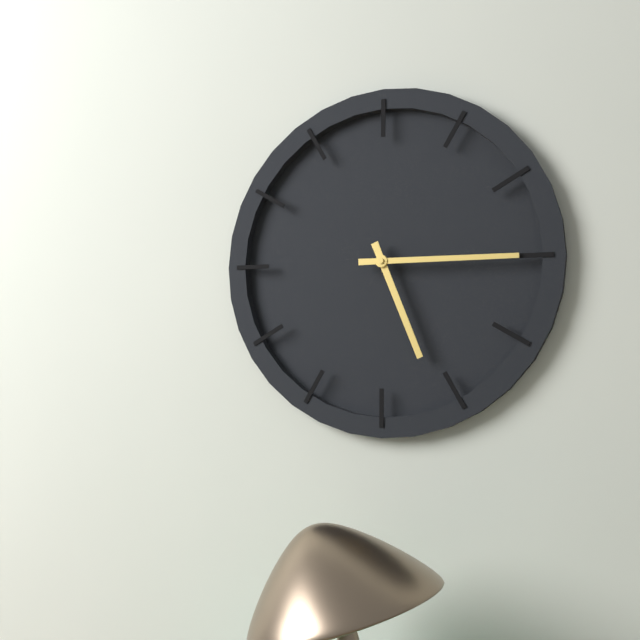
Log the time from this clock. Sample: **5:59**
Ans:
**5:15**
